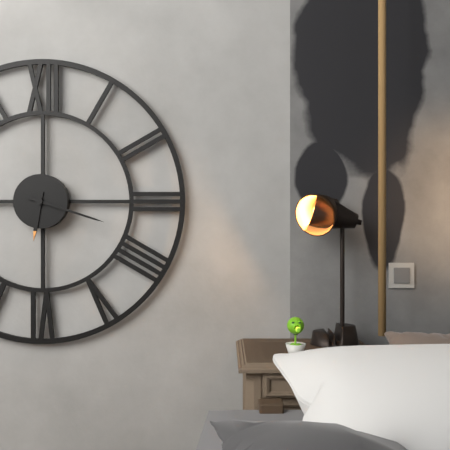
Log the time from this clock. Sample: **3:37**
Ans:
**6:18**
